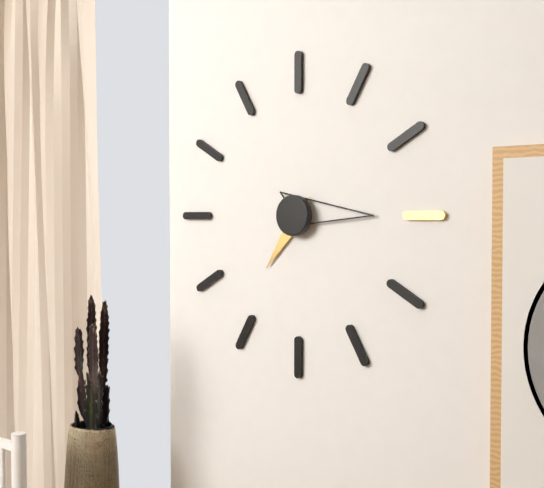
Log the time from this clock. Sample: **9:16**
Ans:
**7:15**
